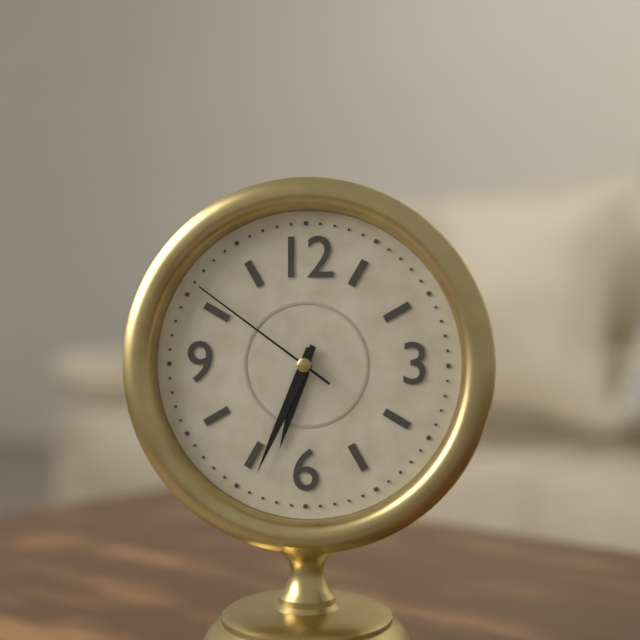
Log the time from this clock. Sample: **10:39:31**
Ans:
**6:34:51**
